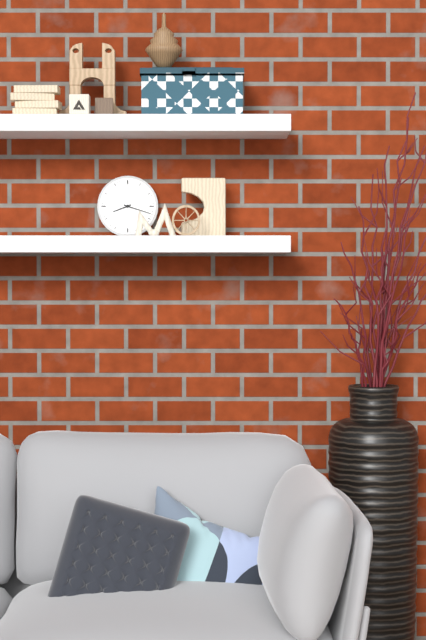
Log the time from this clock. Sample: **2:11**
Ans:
**8:18**
